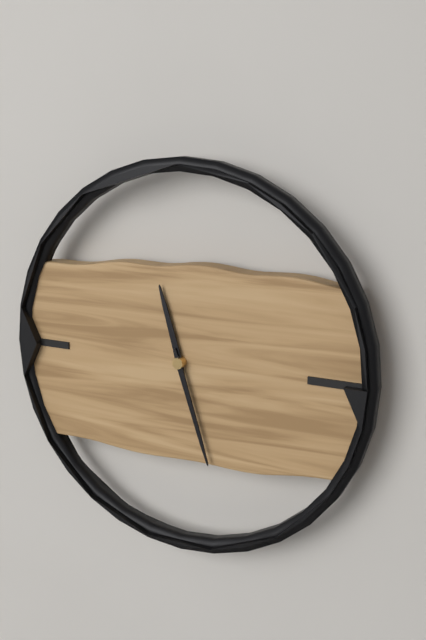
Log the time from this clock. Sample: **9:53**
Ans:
**11:27**
